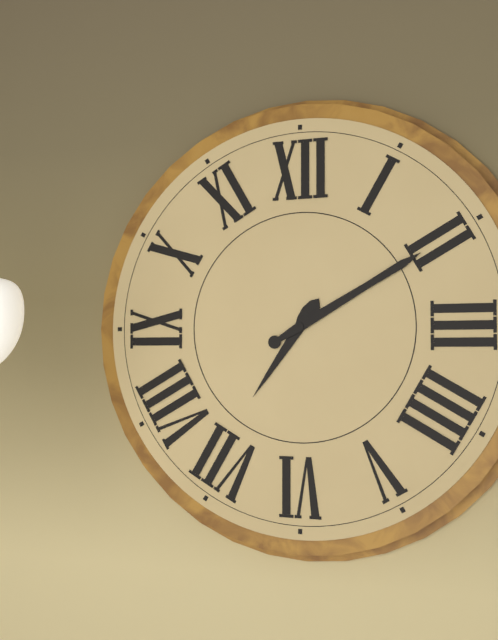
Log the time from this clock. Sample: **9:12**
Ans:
**7:10**
